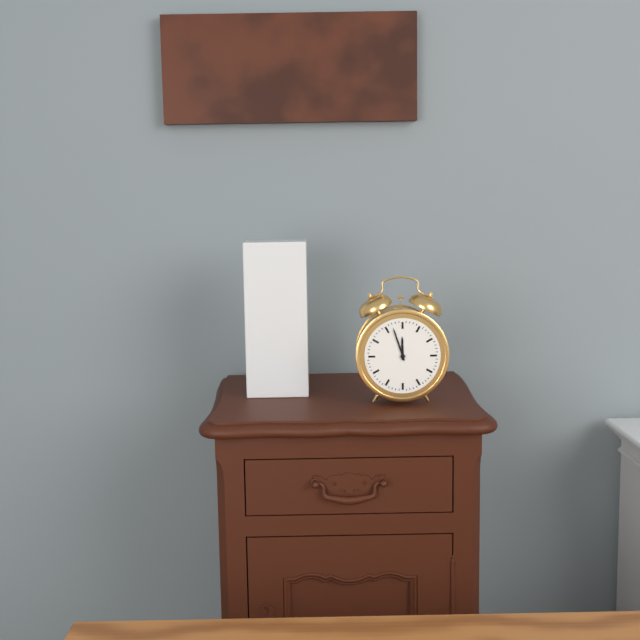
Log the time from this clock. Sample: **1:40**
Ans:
**11:57**
